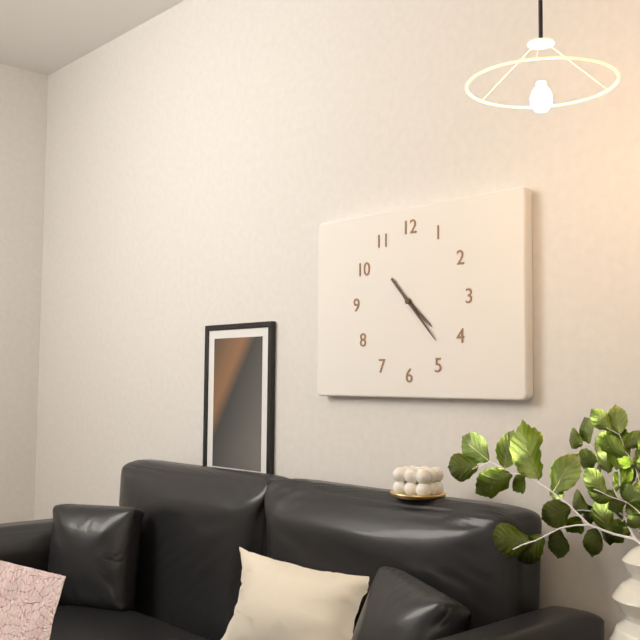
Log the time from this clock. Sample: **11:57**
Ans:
**4:23**
